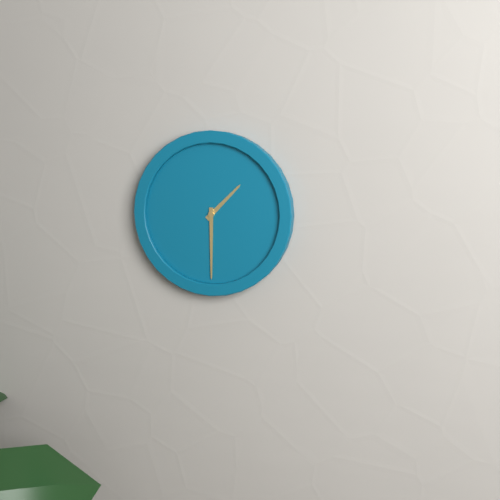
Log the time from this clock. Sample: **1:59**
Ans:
**1:30**
